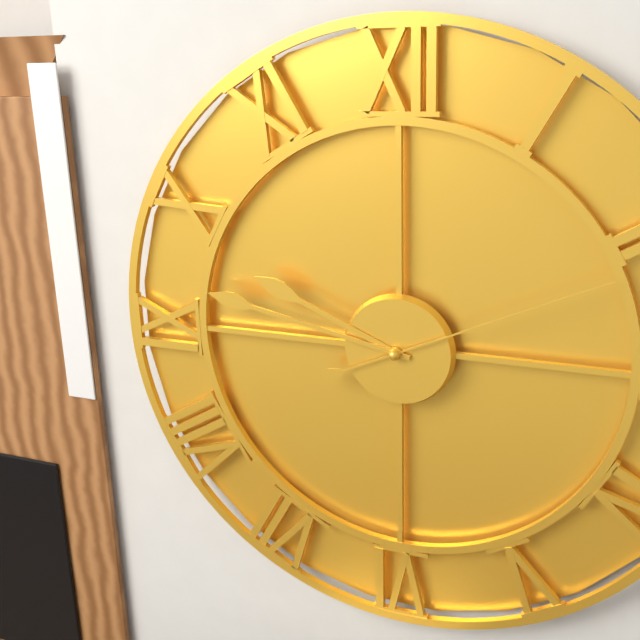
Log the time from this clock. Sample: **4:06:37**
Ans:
**9:47:11**
